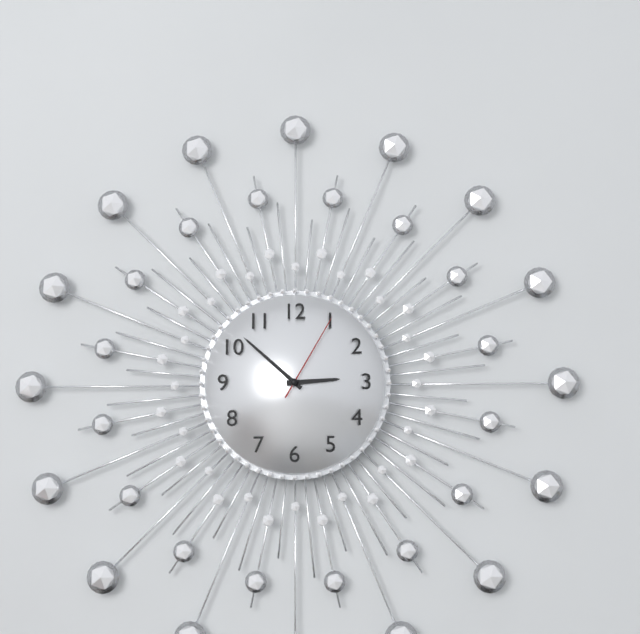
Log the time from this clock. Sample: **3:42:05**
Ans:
**2:52:05**
